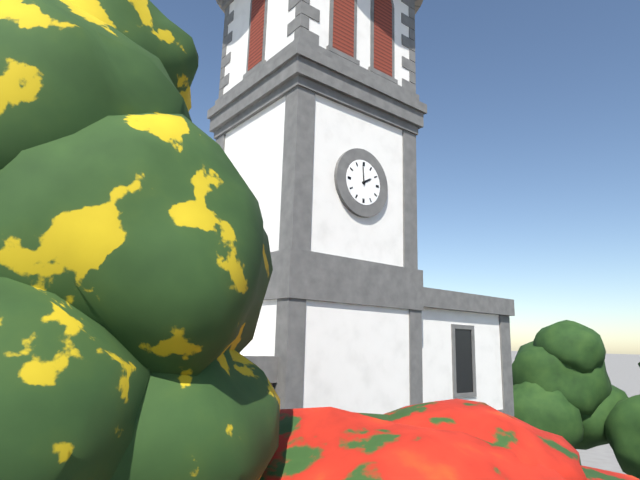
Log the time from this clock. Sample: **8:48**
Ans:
**1:59**
